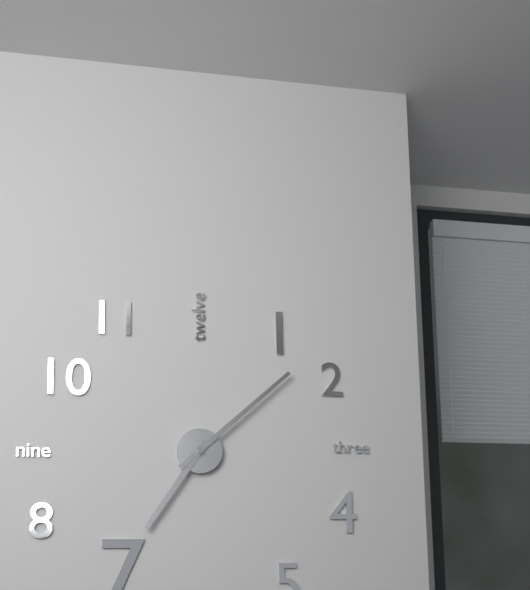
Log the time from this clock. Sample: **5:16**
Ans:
**7:08**
